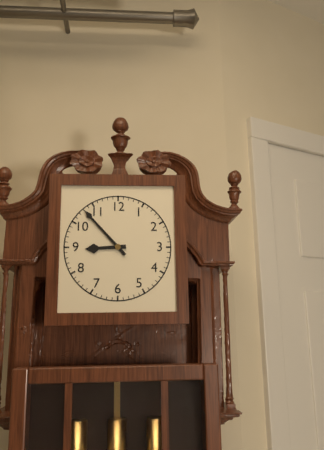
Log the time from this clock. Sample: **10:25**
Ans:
**8:53**
